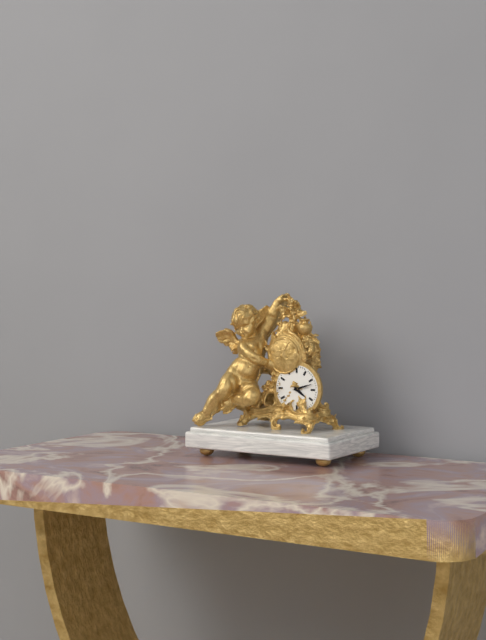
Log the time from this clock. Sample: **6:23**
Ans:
**4:12**
